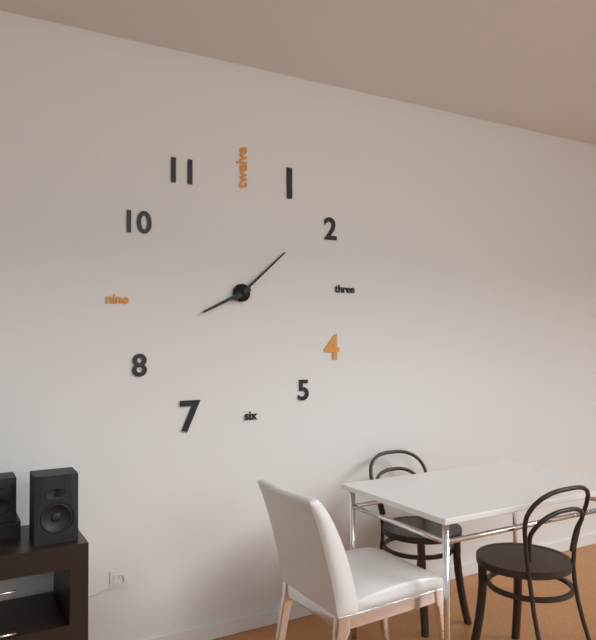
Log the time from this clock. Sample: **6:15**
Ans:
**8:08**
